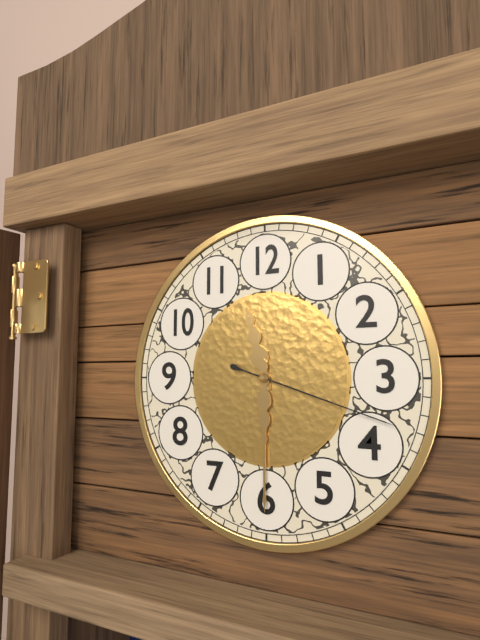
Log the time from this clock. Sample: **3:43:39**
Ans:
**11:30:18**
